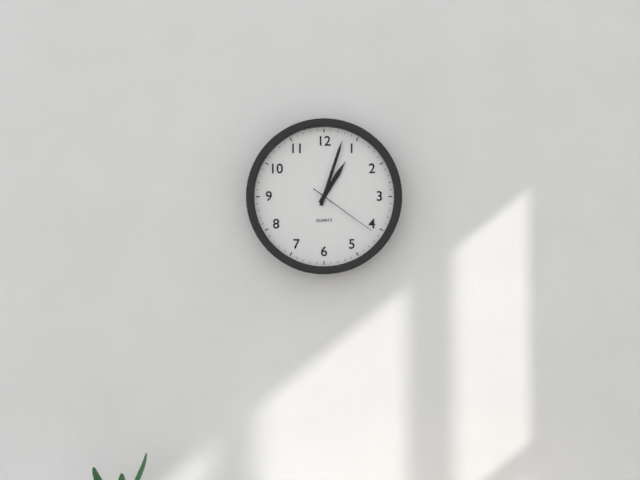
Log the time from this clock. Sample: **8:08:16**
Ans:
**1:03:21**
